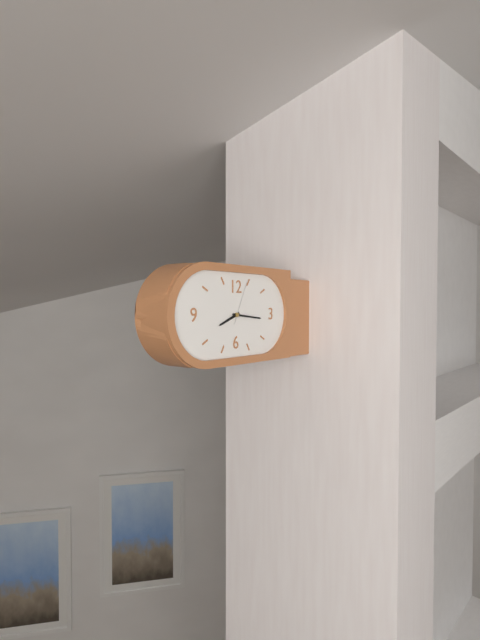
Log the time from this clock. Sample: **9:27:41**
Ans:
**8:16:04**
